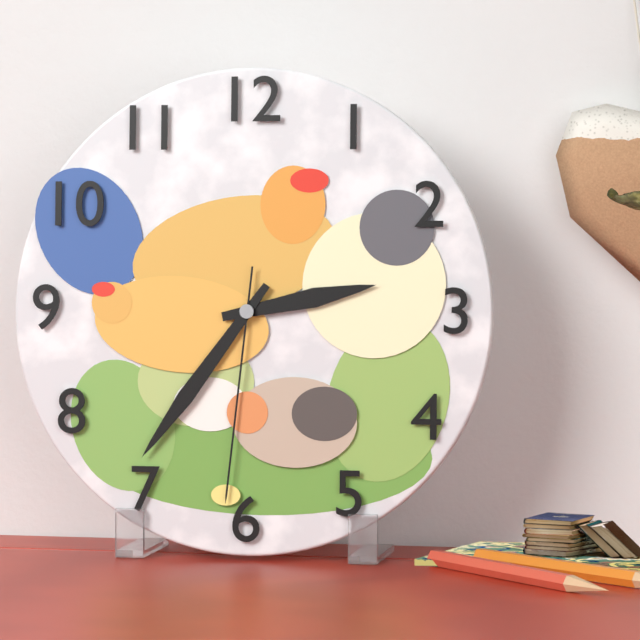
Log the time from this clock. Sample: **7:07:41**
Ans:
**2:36:31**
